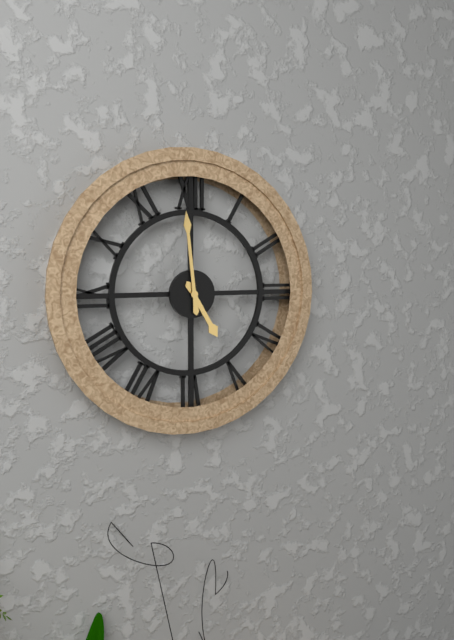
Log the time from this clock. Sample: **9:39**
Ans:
**4:59**
